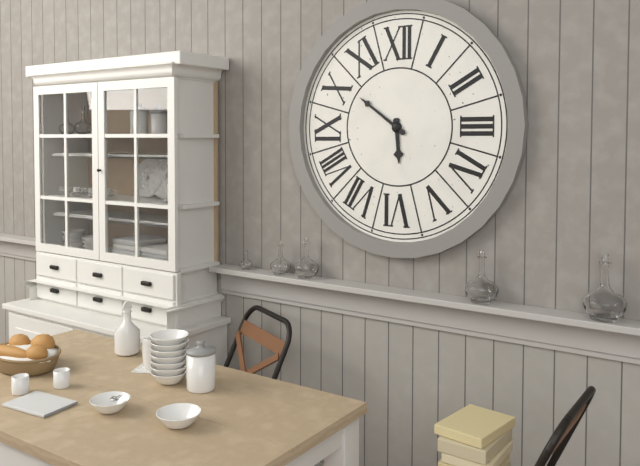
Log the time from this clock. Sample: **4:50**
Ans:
**5:51**
